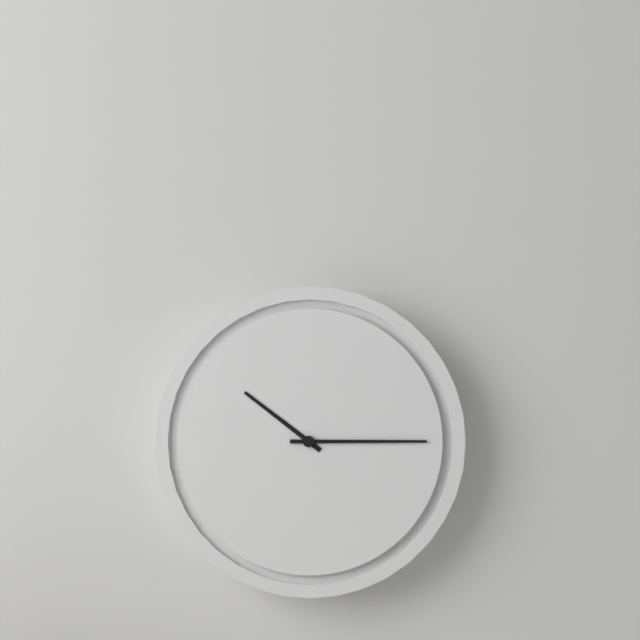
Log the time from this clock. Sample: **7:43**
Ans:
**10:15**
